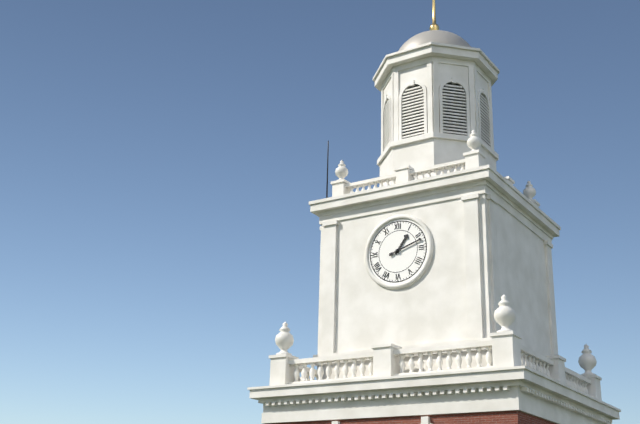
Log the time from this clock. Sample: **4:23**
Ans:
**1:12**
